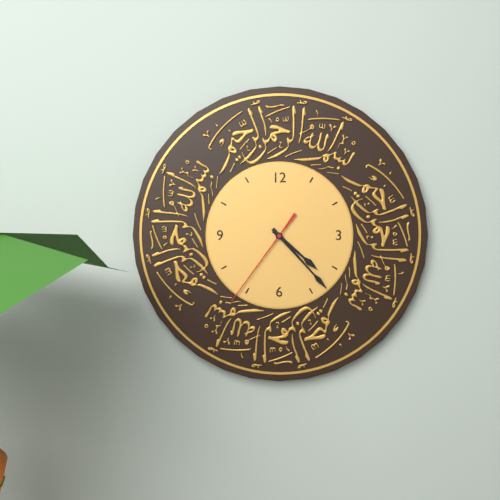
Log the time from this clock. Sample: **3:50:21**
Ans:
**4:23:36**
